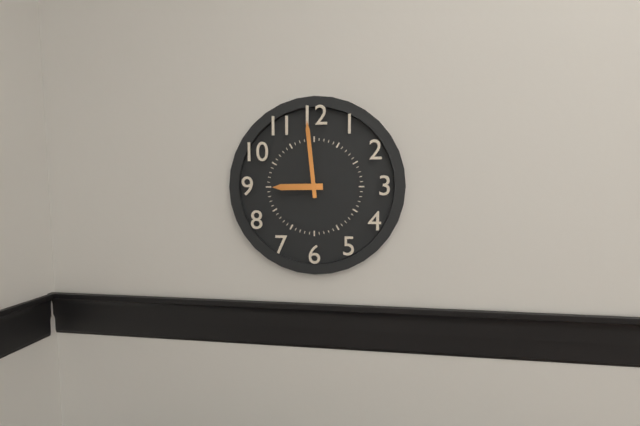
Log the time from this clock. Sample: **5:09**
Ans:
**8:59**
